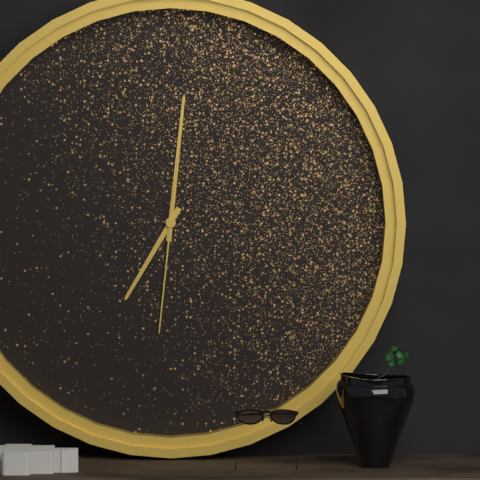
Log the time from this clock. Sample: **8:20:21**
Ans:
**7:01:31**
